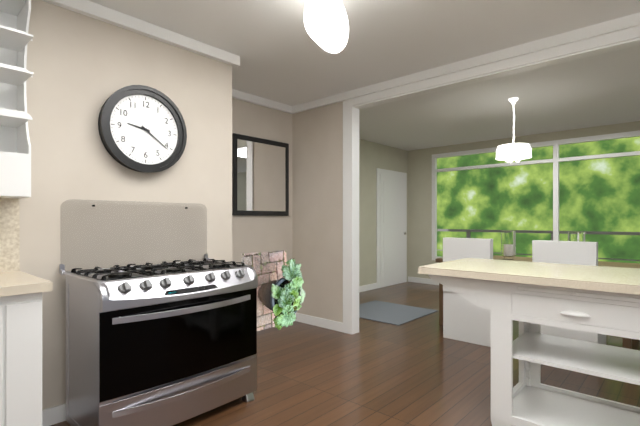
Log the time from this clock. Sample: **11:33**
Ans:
**9:21**
